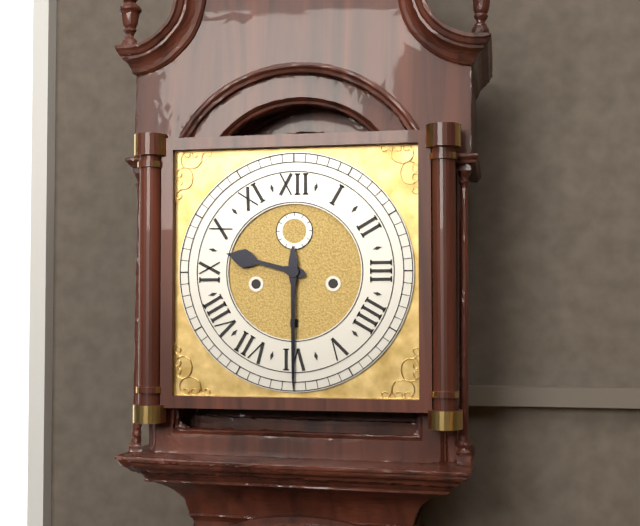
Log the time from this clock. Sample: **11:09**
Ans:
**9:30**
